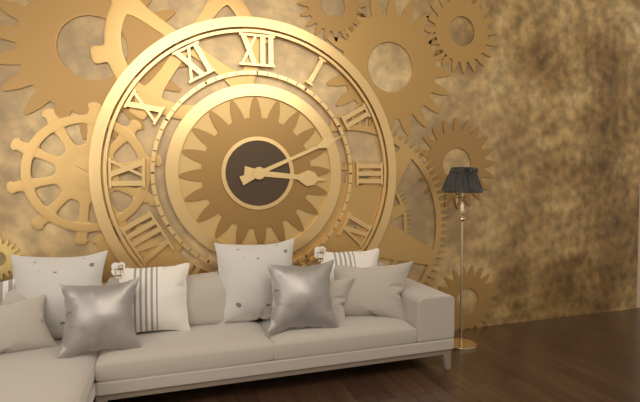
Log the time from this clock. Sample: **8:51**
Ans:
**3:11**
